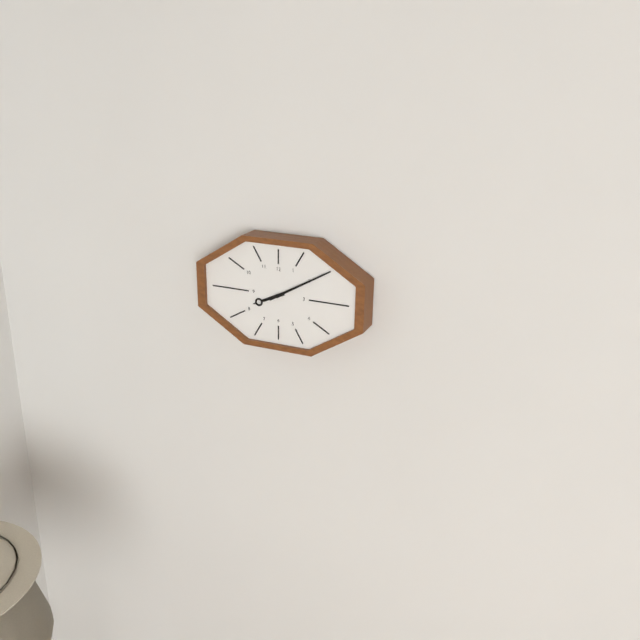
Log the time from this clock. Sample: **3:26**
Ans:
**8:10**
